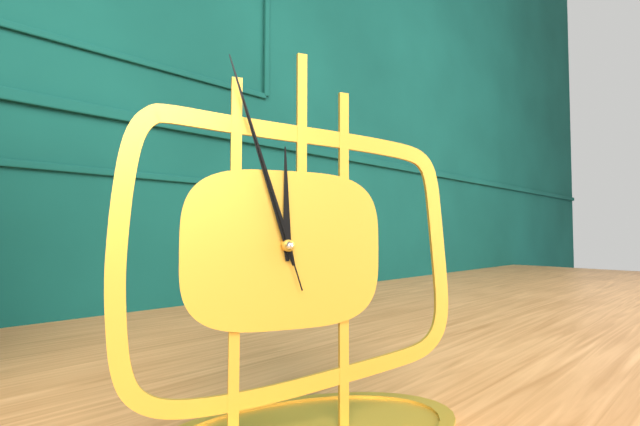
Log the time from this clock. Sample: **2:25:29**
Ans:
**11:57:57**
